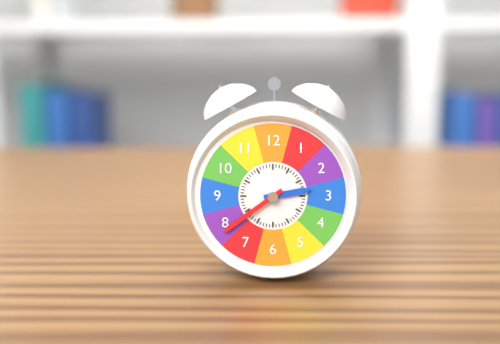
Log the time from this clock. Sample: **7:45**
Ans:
**2:39**
